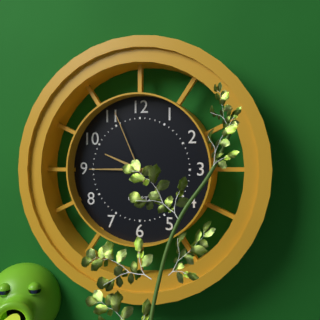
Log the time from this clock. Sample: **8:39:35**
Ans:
**9:45:56**
